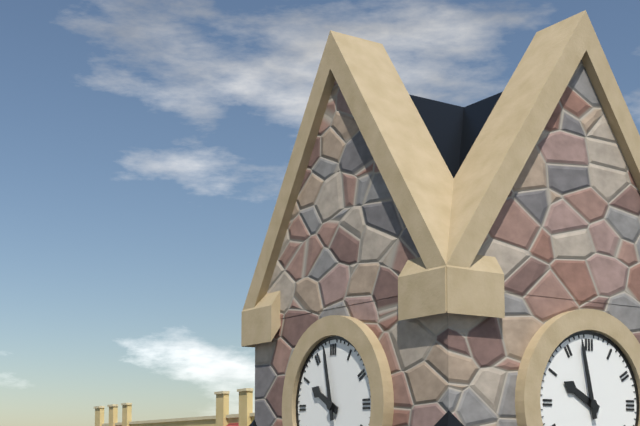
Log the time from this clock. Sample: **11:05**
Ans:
**9:58**
